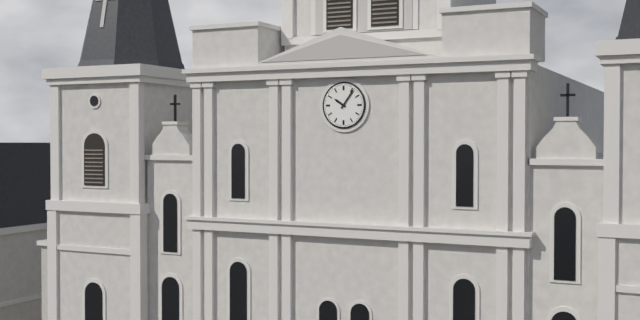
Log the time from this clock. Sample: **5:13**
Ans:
**10:06**
